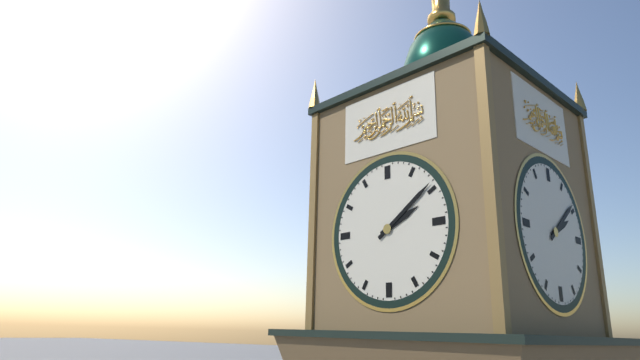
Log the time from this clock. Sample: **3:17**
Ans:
**2:09**
